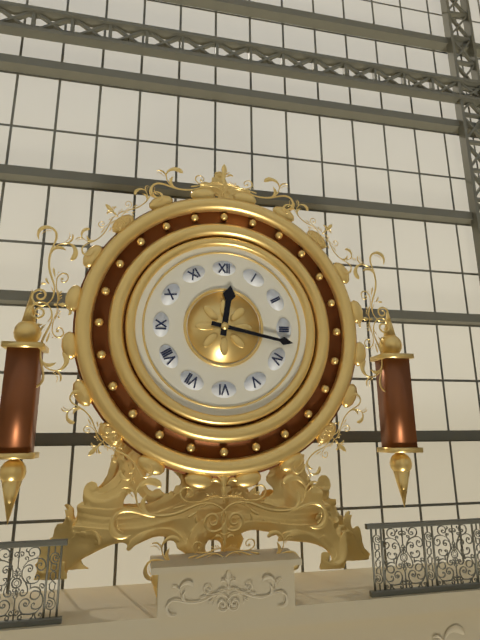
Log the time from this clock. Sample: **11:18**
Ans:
**12:17**
